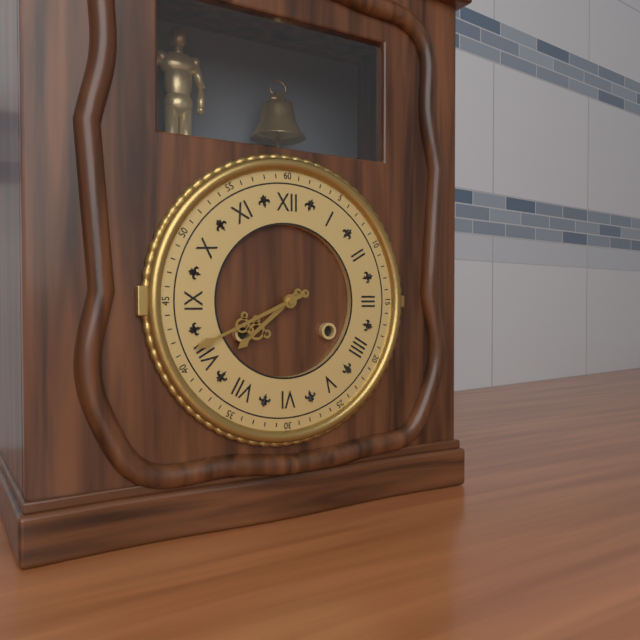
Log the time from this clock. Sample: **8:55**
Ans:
**7:41**
